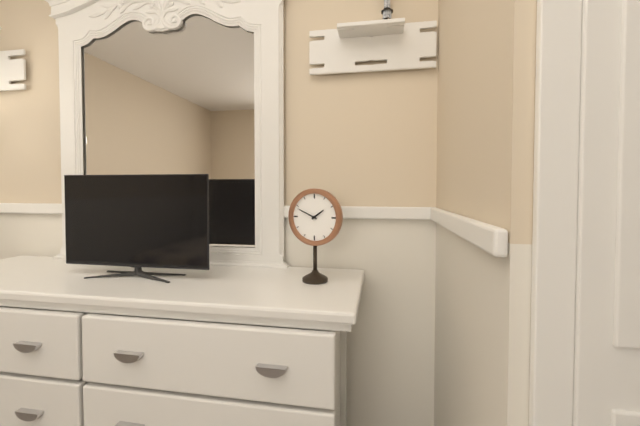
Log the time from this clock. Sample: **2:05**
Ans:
**1:49**
